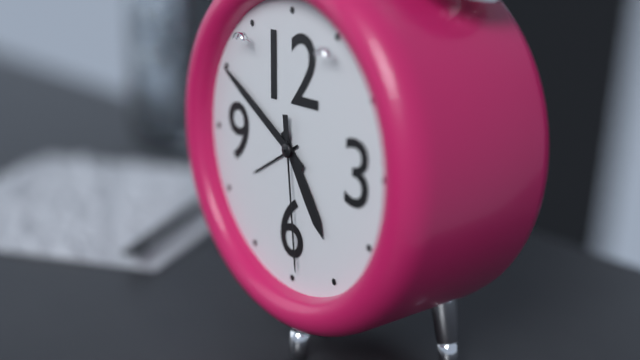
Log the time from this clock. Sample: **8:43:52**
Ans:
**4:50:29**
